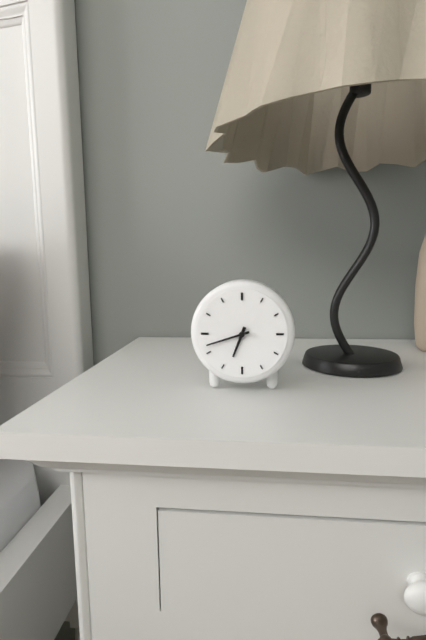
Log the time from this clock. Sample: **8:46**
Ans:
**6:42**
